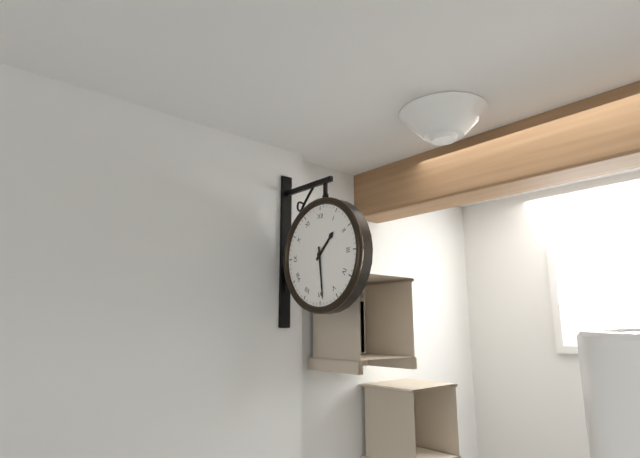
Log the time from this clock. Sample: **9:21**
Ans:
**1:29**
